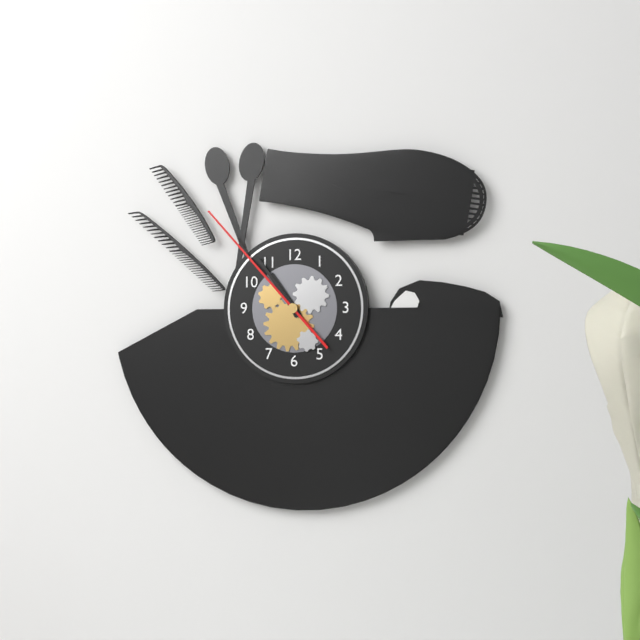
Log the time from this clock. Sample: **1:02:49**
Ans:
**10:54:53**
